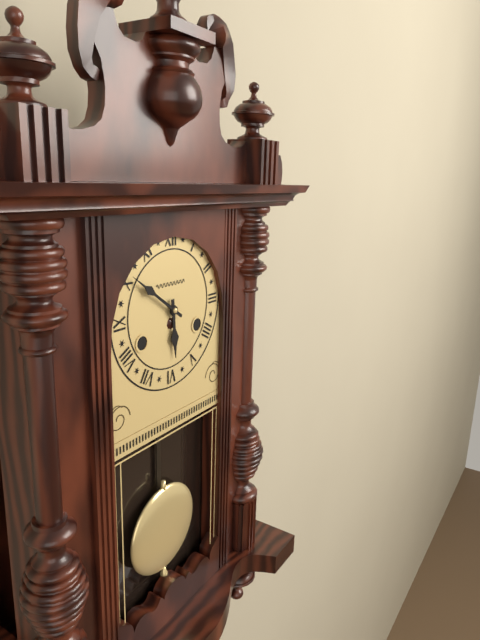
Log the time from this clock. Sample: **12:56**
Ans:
**5:51**
